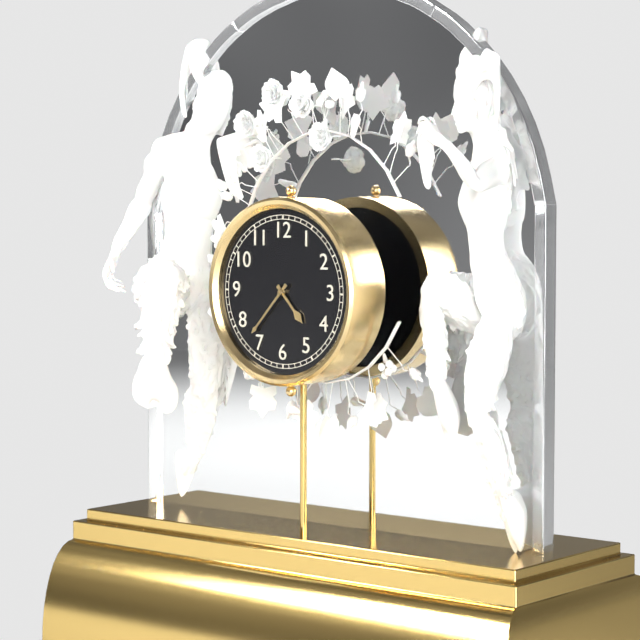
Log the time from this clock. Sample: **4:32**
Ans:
**4:37**
